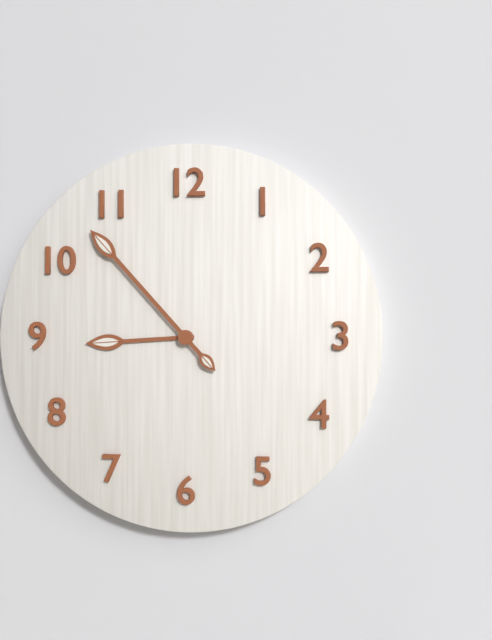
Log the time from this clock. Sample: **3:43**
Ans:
**8:53**
